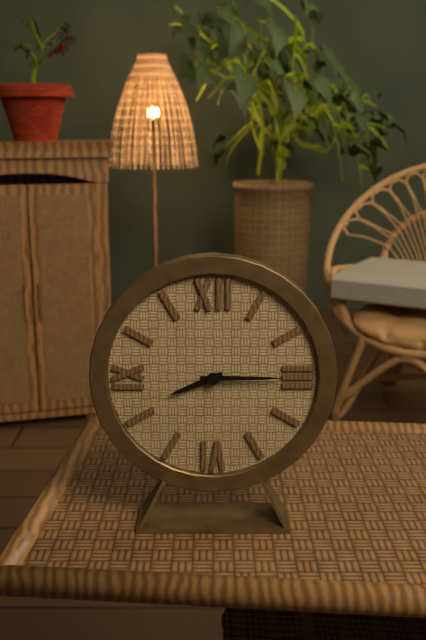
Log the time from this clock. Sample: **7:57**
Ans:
**8:15**
